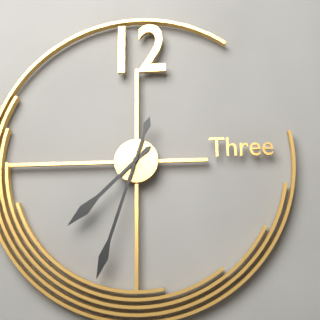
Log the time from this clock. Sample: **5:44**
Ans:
**7:33**
